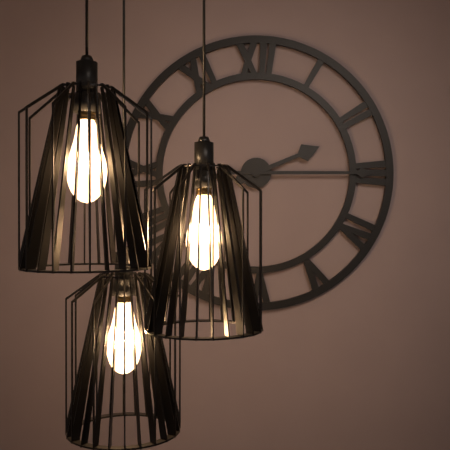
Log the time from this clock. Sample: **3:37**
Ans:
**2:15**
